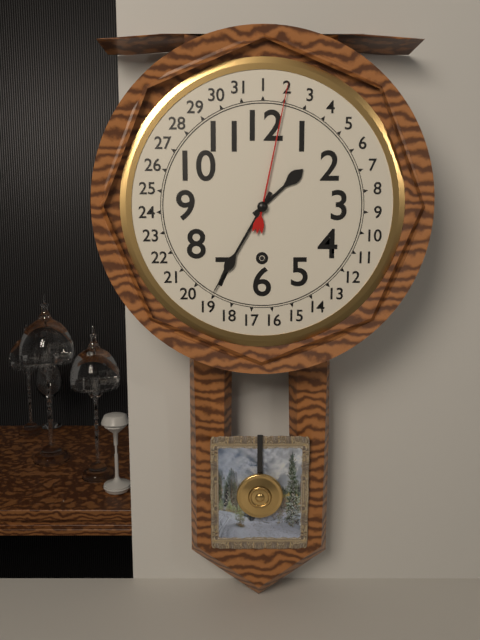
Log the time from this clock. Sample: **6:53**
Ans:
**1:35**
